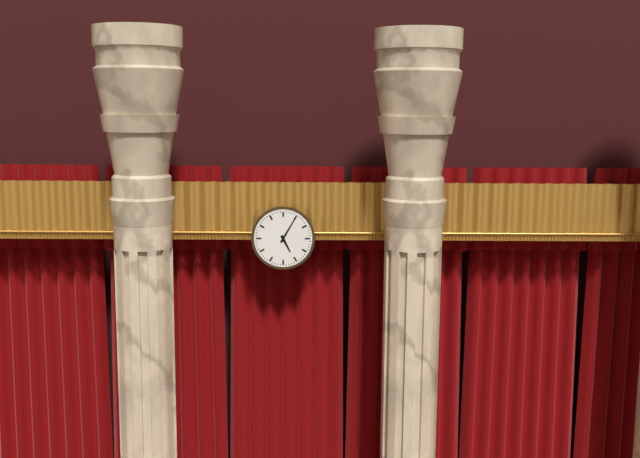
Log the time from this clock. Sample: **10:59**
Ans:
**5:05**
